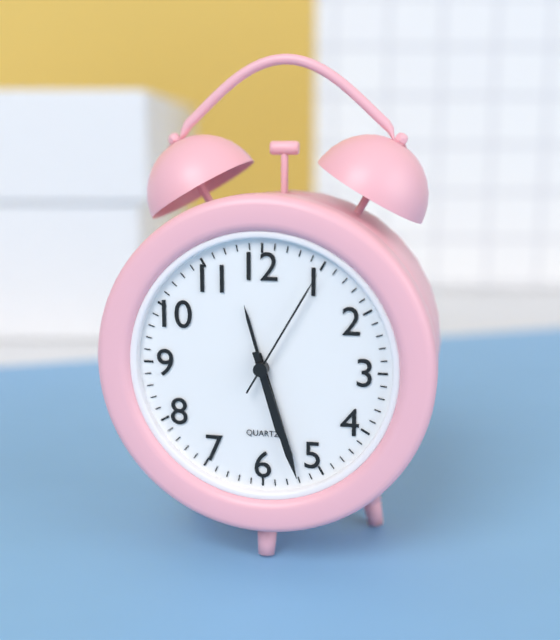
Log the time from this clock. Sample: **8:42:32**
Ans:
**5:27:05**
